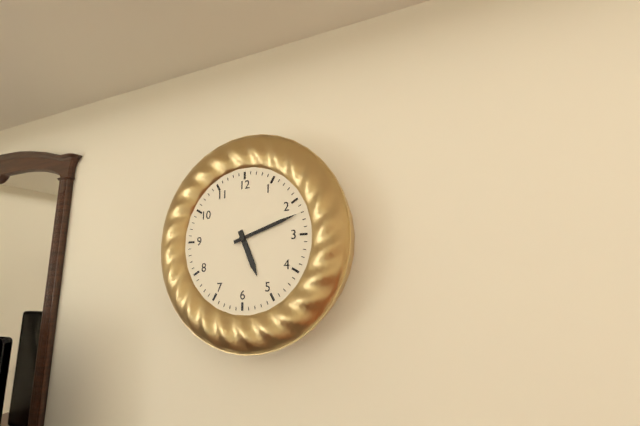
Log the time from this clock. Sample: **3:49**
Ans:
**5:12**
